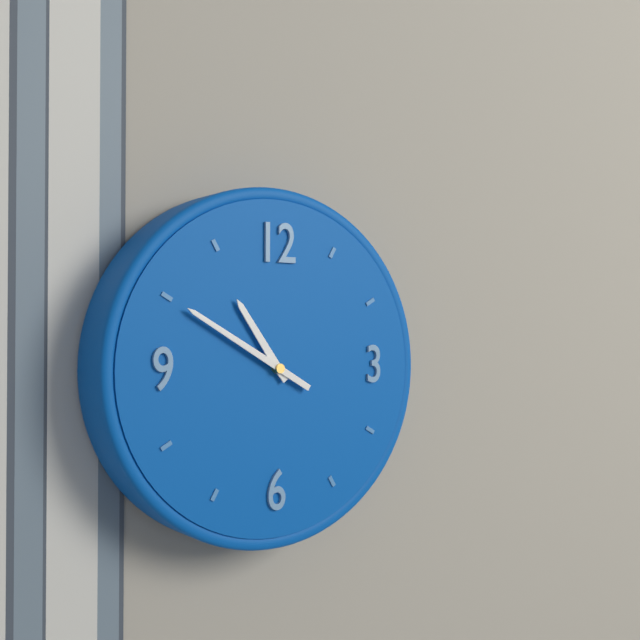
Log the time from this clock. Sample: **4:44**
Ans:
**10:50**
